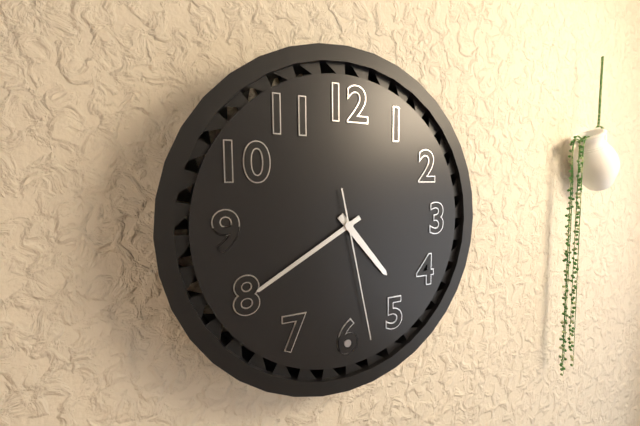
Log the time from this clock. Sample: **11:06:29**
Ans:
**4:40:28**
